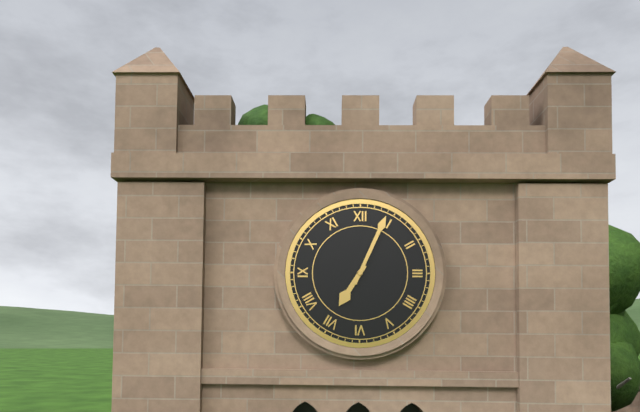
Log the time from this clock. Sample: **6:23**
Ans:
**7:04**
